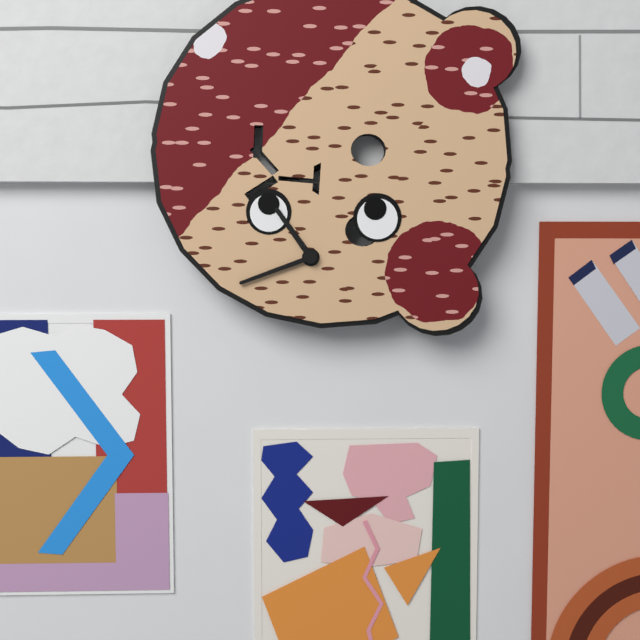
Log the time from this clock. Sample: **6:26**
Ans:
**10:41**
